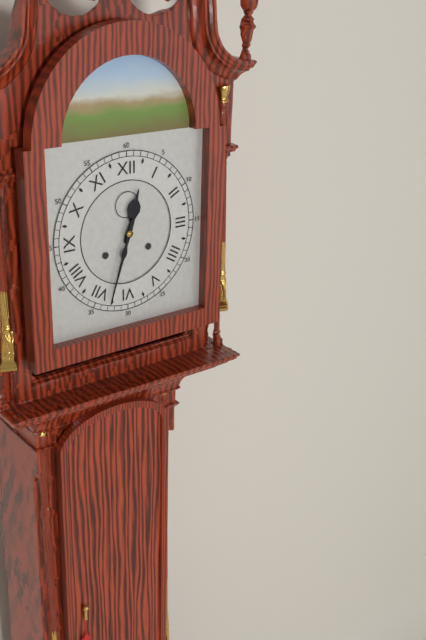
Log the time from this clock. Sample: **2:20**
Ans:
**12:33**
